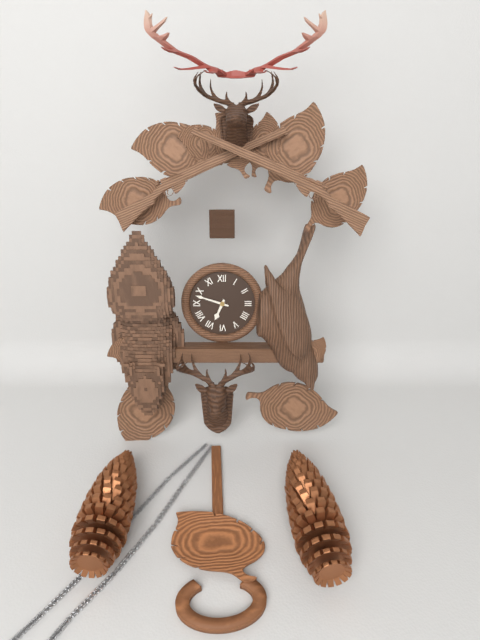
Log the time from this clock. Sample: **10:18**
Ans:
**6:48**
